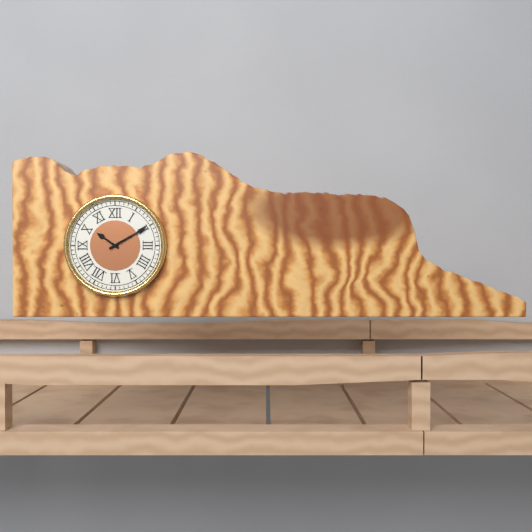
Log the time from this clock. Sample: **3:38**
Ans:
**10:10**
